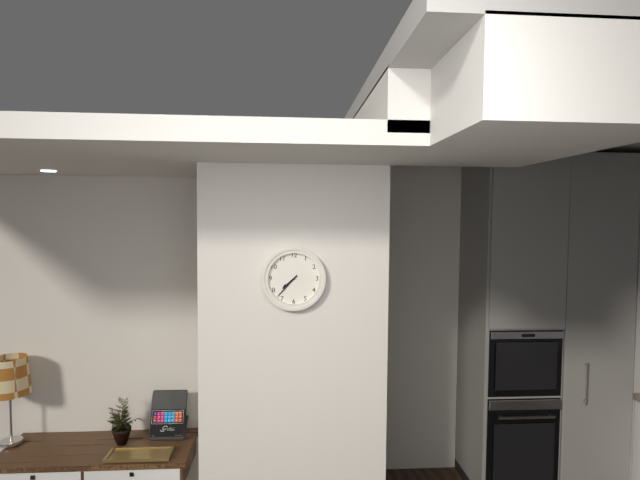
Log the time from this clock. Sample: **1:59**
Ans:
**7:37**
